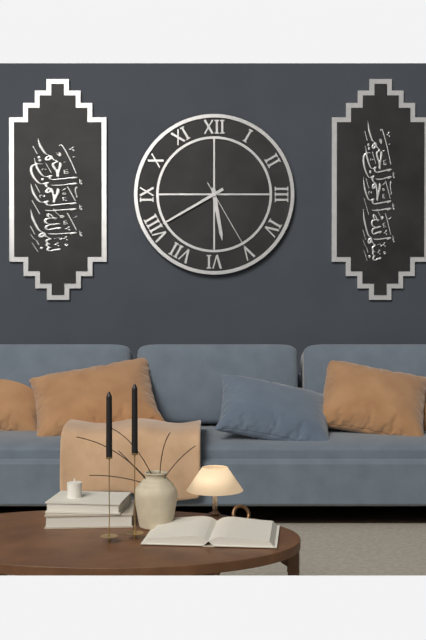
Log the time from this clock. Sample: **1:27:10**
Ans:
**5:40:25**
